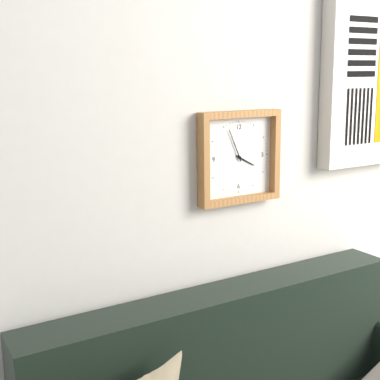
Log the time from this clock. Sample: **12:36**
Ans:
**3:56**
